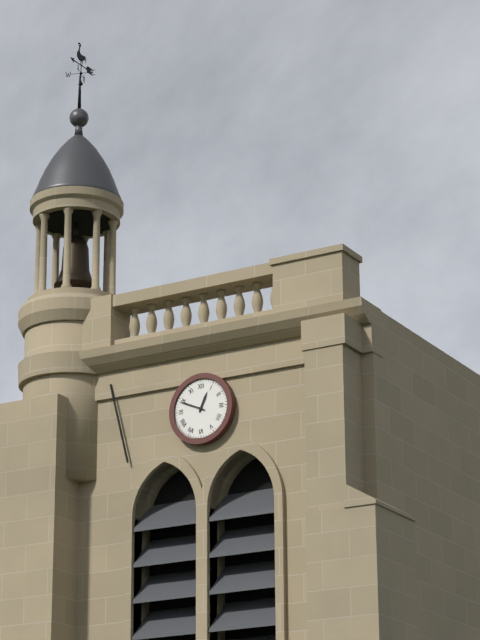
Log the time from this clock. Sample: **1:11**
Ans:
**12:49**
